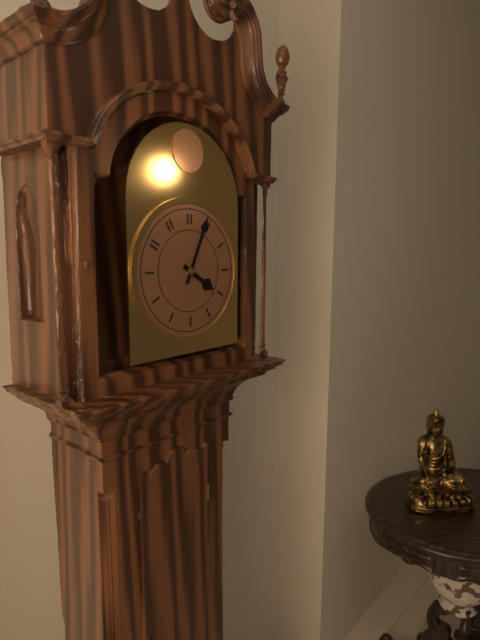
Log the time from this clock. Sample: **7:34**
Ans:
**4:04**
